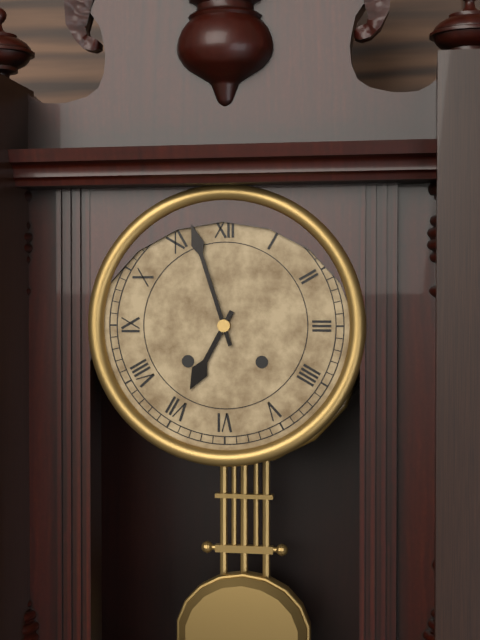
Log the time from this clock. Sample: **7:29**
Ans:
**6:57**
